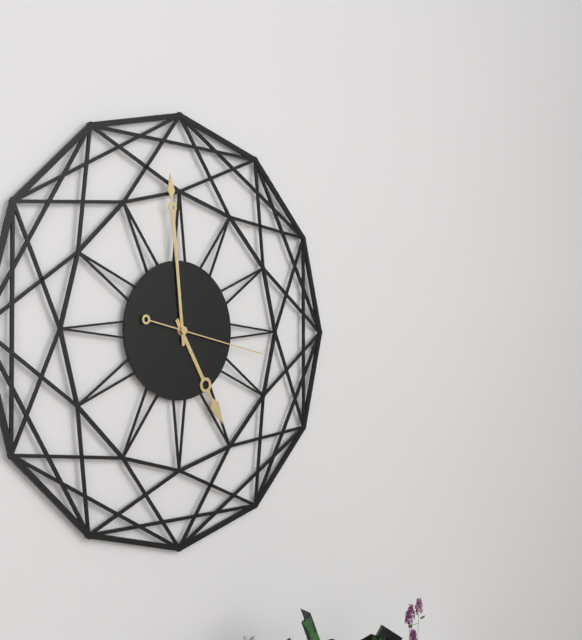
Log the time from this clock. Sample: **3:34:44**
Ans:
**4:59:17**
